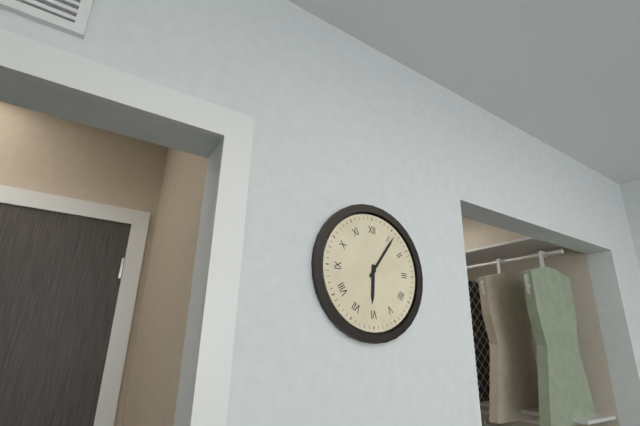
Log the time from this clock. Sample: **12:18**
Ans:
**6:06**
